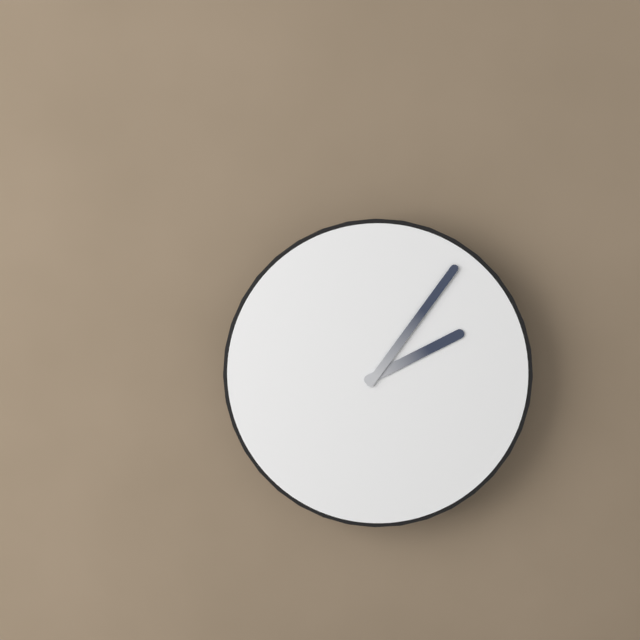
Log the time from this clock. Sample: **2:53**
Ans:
**2:06**
